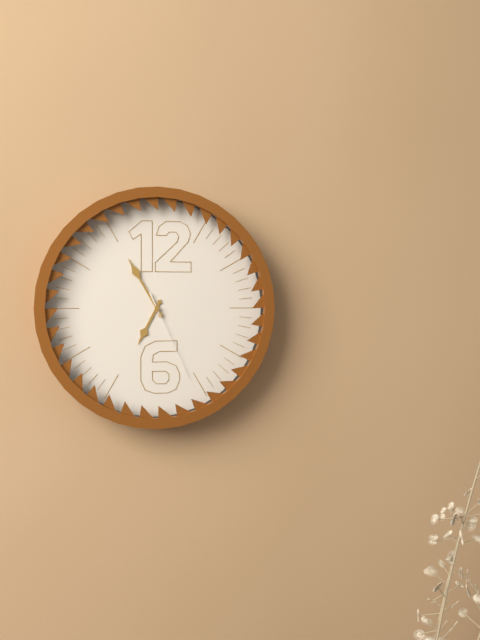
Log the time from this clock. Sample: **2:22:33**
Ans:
**6:55:26**
